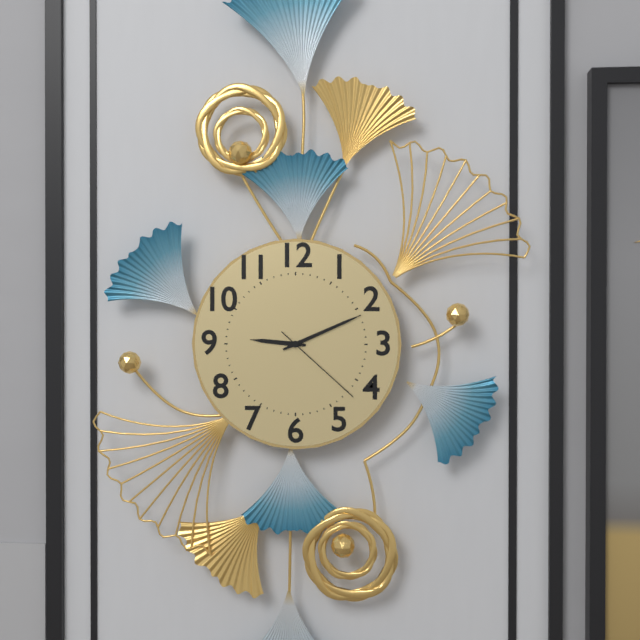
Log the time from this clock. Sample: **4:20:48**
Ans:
**9:11:22**
